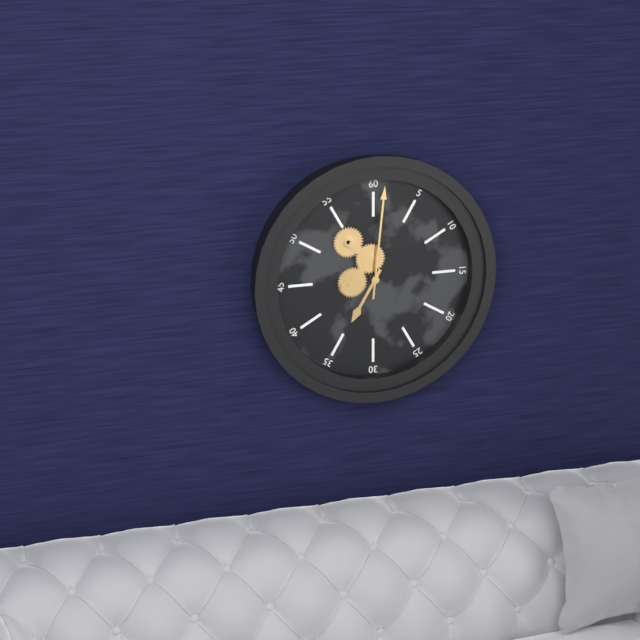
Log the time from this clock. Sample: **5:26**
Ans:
**7:01**
